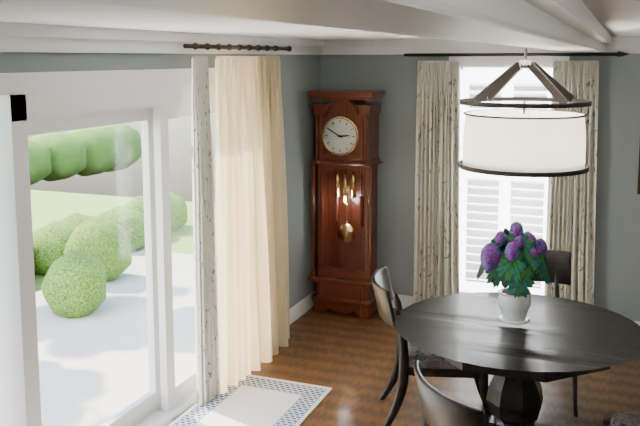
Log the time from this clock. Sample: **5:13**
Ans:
**2:50**
